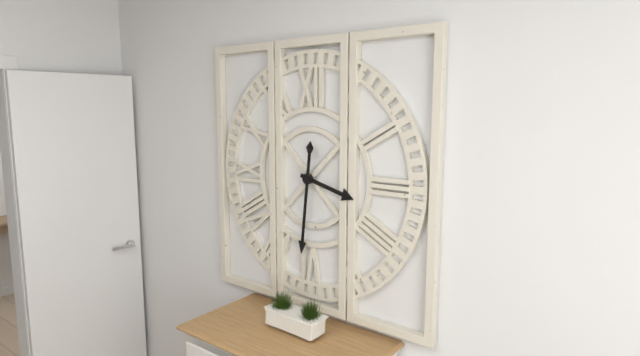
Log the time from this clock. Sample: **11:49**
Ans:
**3:31**
